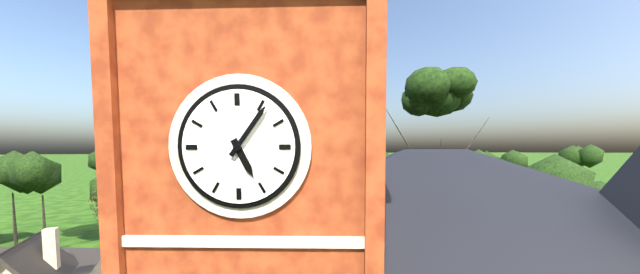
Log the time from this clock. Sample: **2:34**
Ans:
**5:06**
